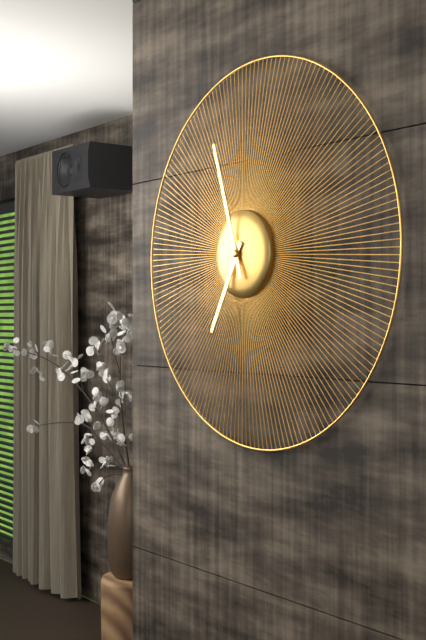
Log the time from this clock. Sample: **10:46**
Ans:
**6:57**
